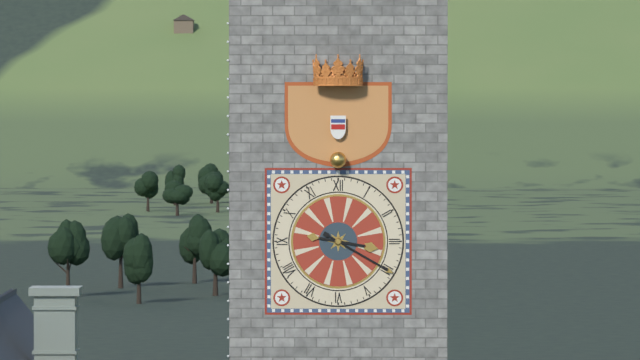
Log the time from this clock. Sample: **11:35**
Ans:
**3:20**
